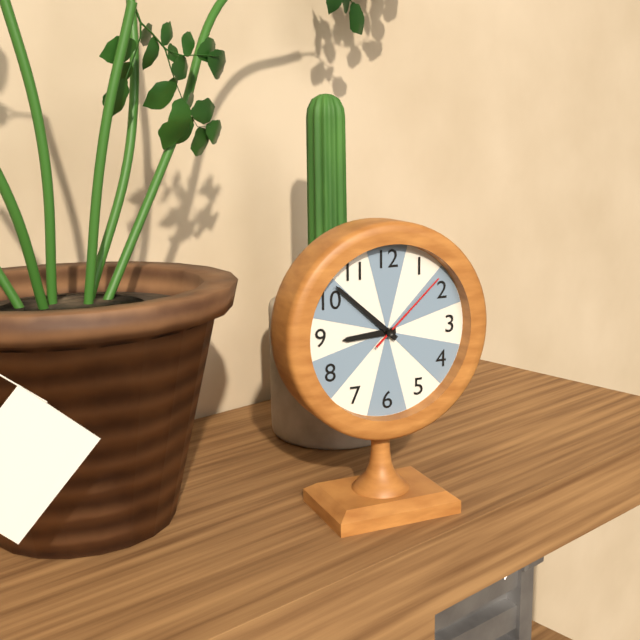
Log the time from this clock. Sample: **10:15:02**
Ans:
**8:52:08**
